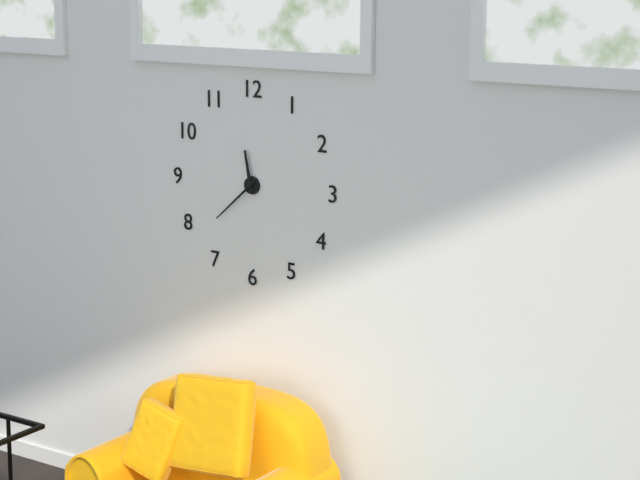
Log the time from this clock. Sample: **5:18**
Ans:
**11:38**
